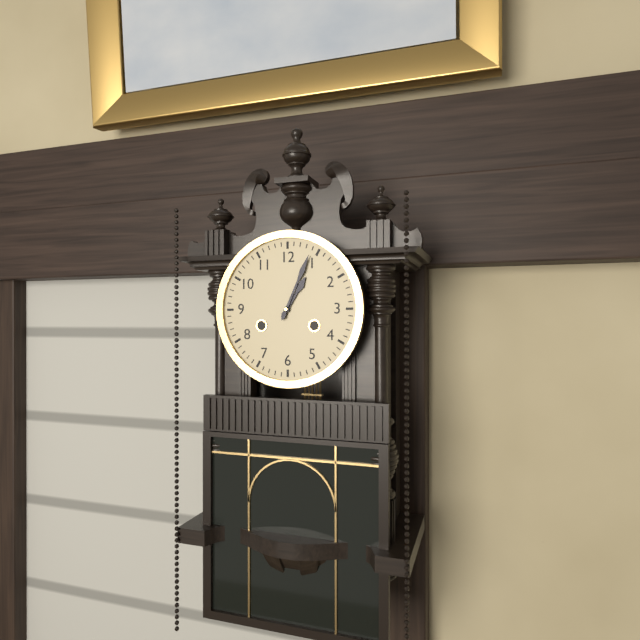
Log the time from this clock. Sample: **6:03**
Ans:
**1:04**
